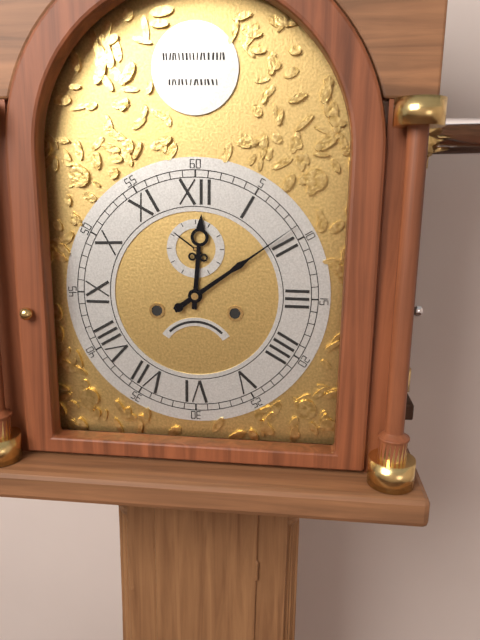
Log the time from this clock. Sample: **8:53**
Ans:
**12:09**
